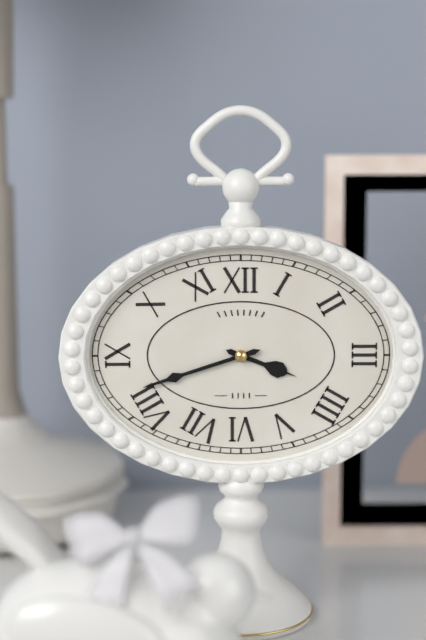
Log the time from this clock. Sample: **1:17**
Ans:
**3:42**
